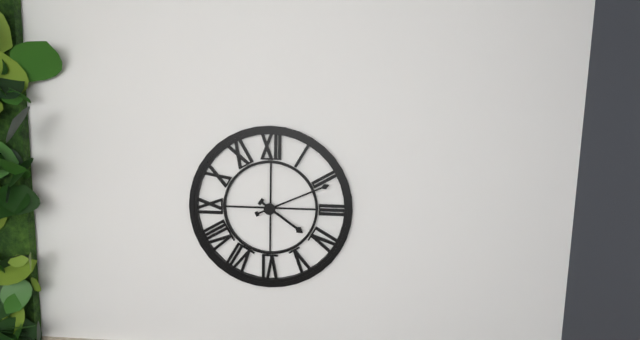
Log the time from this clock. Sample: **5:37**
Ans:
**4:11**
